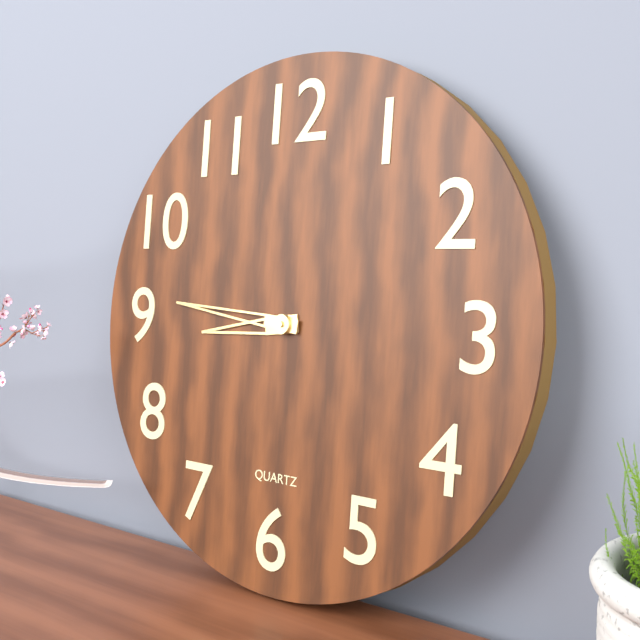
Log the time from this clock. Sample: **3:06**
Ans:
**8:46**
